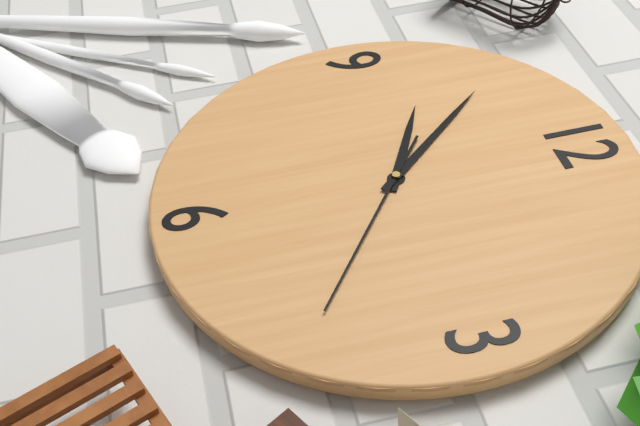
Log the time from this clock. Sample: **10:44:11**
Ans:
**9:53:21**
